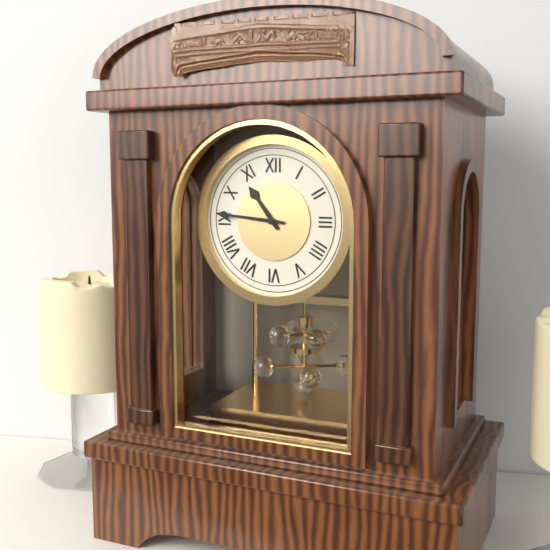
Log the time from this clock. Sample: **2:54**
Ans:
**10:46**
